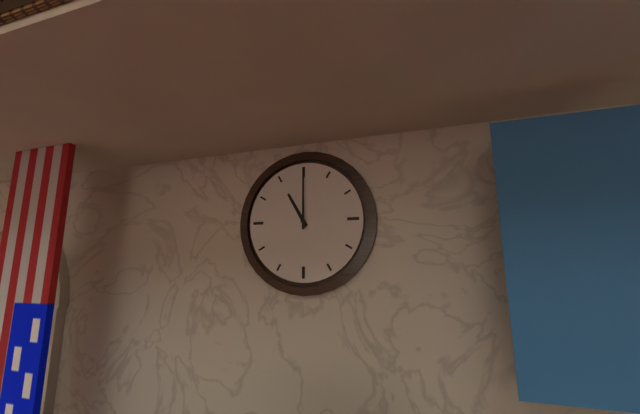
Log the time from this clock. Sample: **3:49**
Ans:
**11:00**
